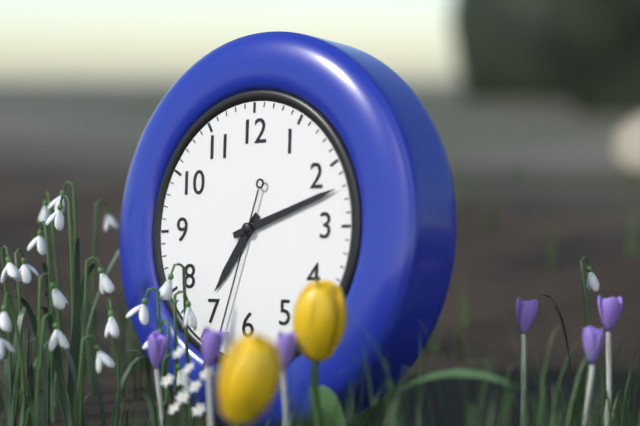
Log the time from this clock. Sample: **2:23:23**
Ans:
**7:12:33**
